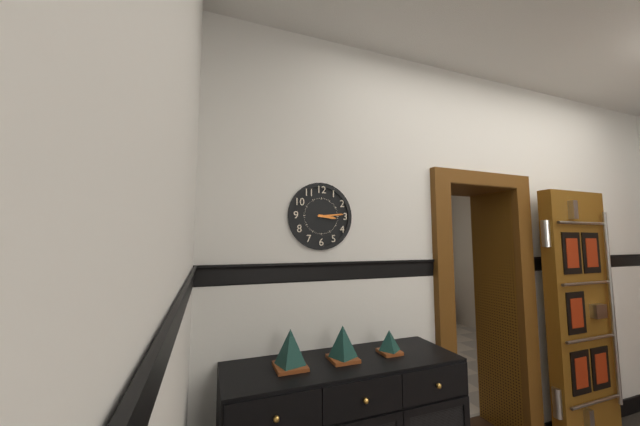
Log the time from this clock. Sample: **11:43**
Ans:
**3:14**
